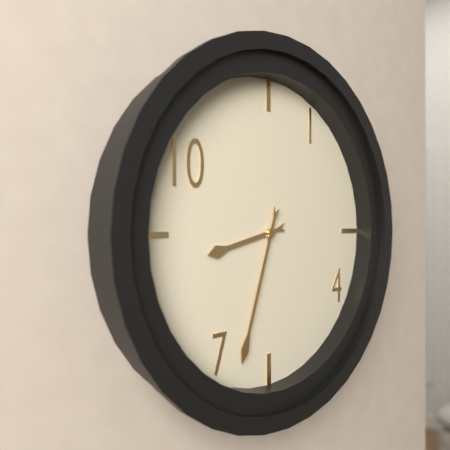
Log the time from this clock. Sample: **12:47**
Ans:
**8:33**
